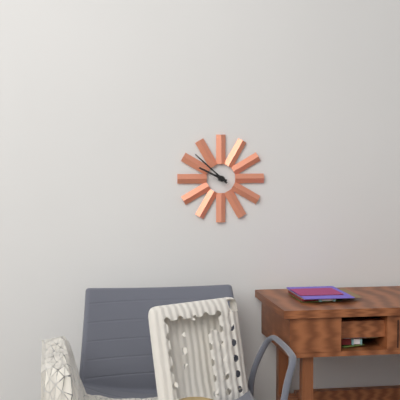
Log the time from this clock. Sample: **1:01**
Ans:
**9:52**
